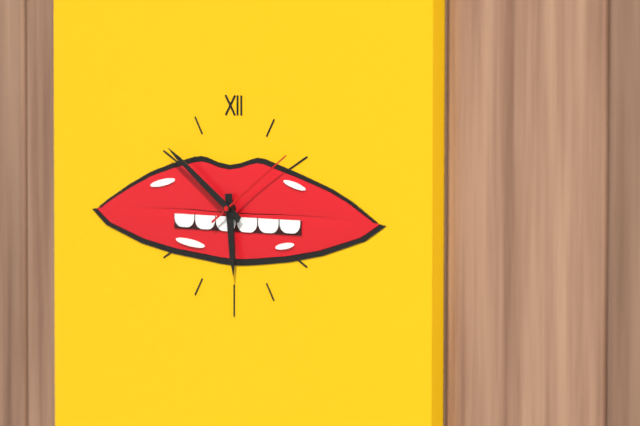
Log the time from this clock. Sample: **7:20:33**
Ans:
**5:51:09**
